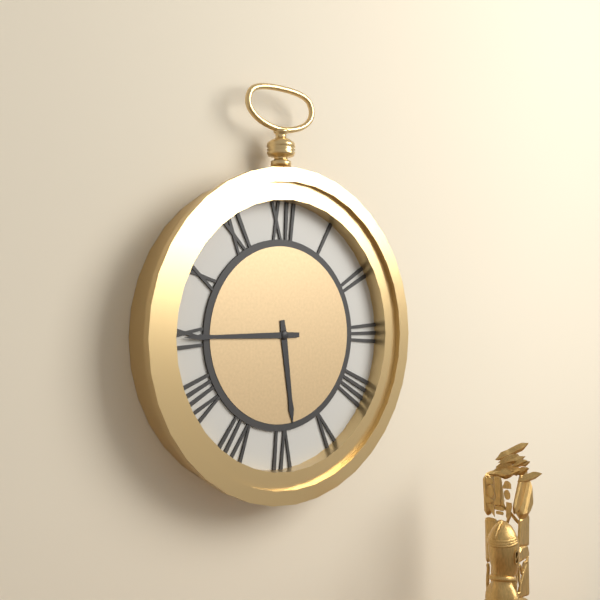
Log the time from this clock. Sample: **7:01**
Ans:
**5:45**
